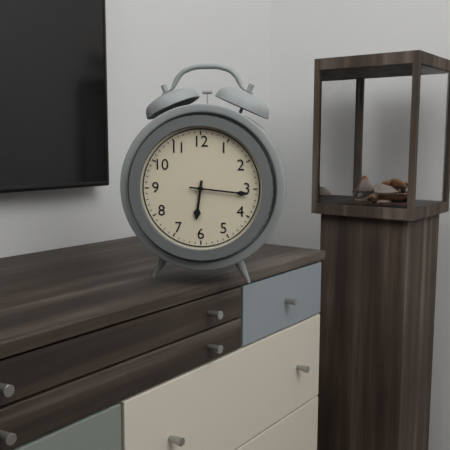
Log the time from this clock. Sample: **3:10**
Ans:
**6:16**
